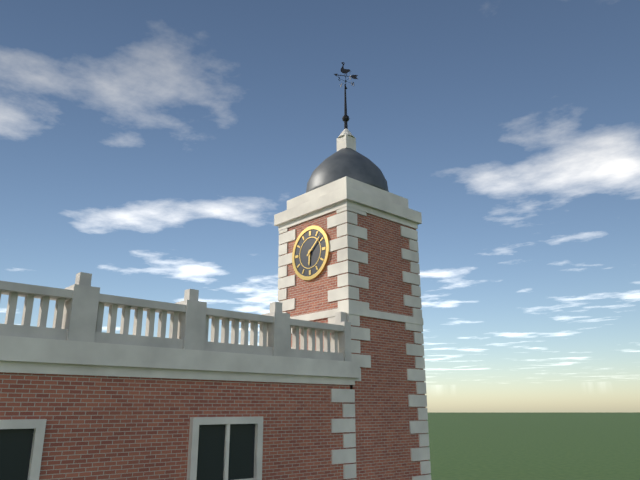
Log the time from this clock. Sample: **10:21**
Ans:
**6:08**
